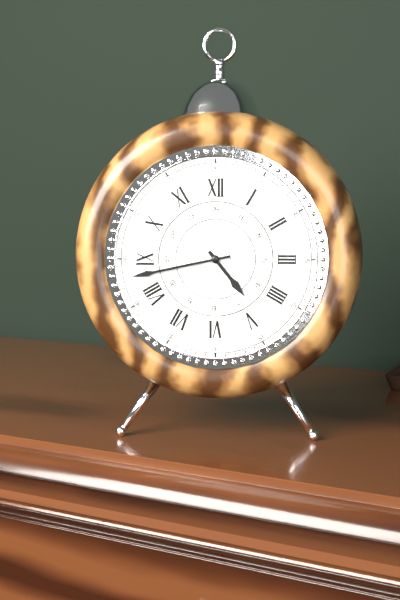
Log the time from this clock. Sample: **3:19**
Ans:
**4:43**
